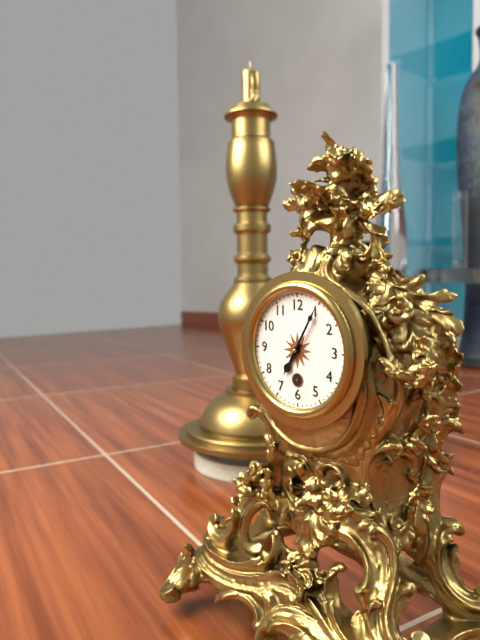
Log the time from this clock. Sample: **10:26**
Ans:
**7:05**
